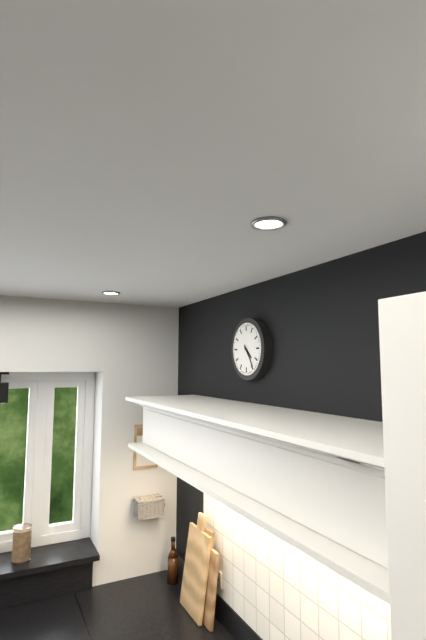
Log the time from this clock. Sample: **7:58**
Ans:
**4:24**
